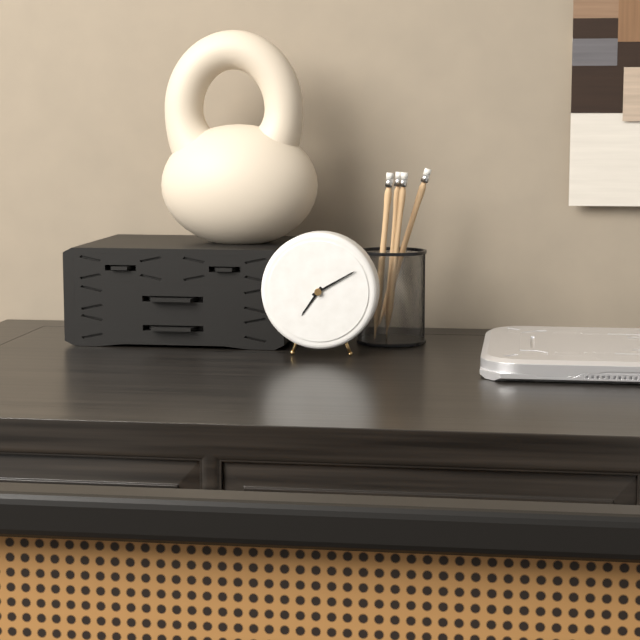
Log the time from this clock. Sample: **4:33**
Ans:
**7:10**
